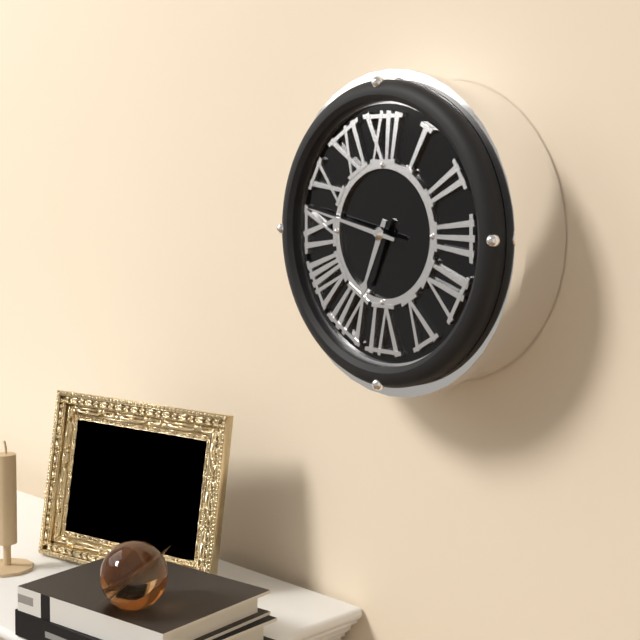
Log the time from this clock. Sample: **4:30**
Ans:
**6:47**
